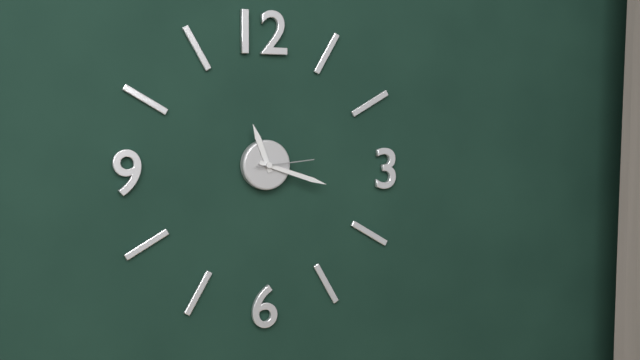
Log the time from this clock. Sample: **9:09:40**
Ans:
**11:18:14**
